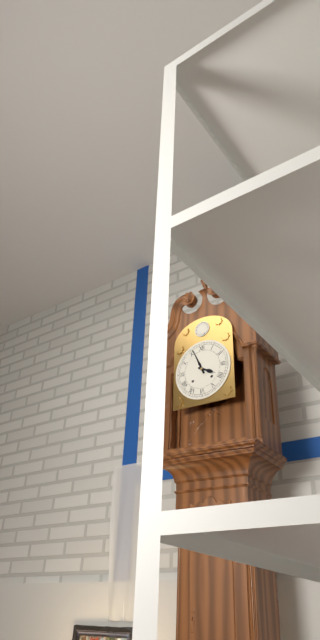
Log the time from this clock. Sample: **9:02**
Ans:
**3:56**
